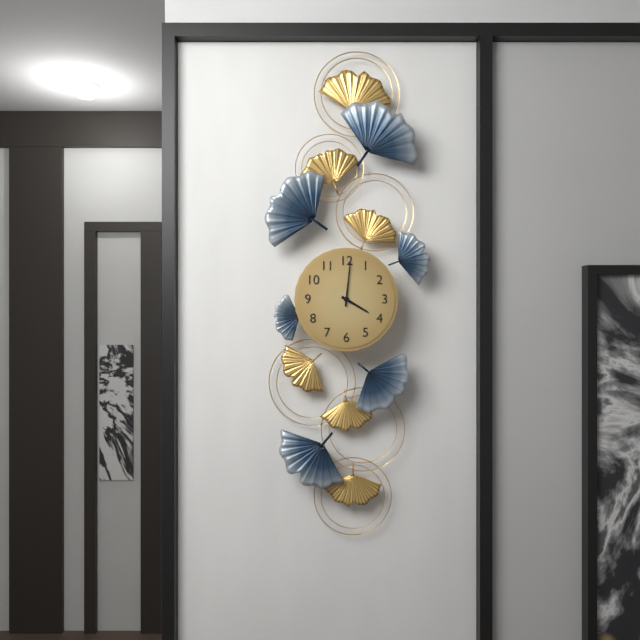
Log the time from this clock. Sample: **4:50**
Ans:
**4:01**
